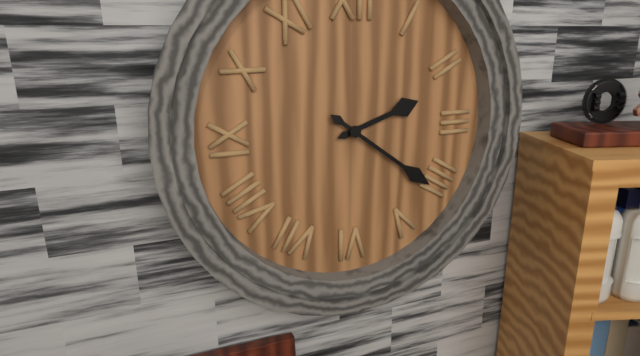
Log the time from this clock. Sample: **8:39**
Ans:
**2:21**
